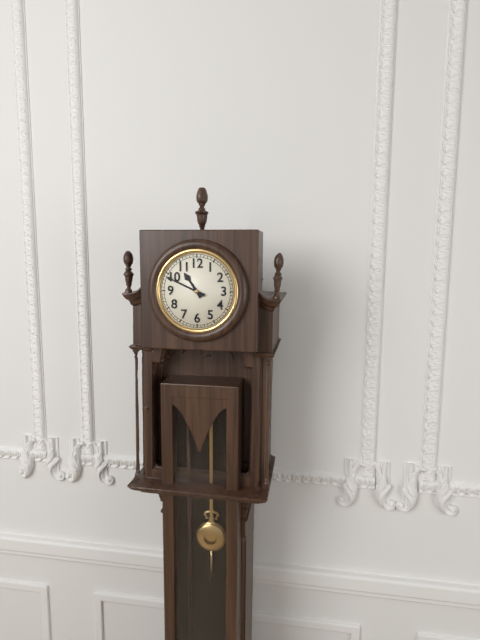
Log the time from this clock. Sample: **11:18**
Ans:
**10:49**
